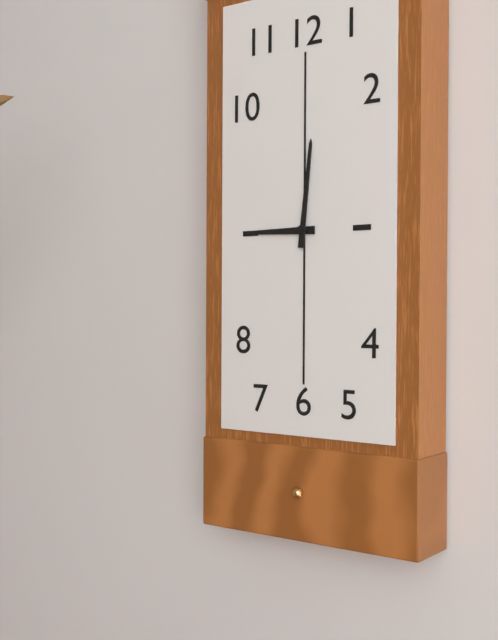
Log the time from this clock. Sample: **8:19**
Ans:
**9:01**
